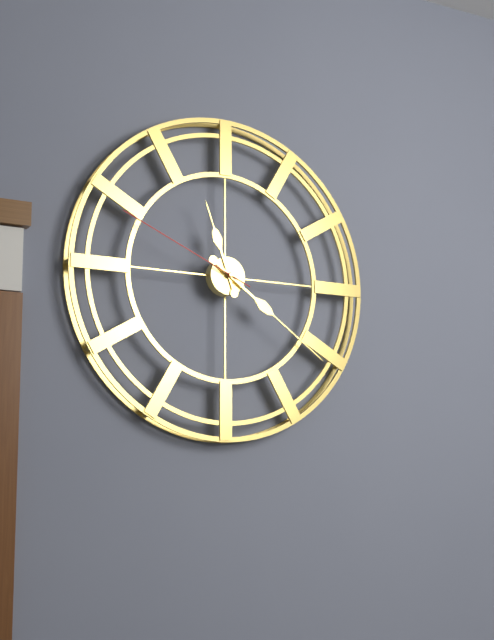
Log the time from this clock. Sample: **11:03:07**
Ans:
**11:21:49**
